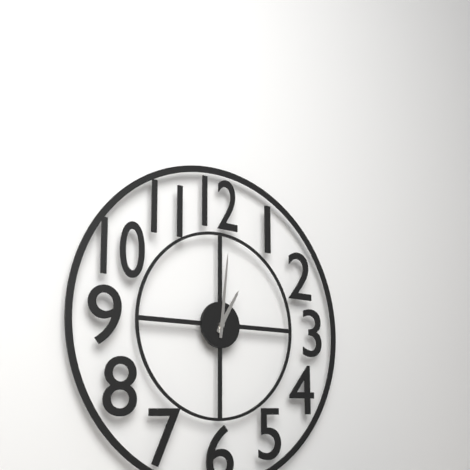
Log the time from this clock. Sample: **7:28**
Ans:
**1:01**
